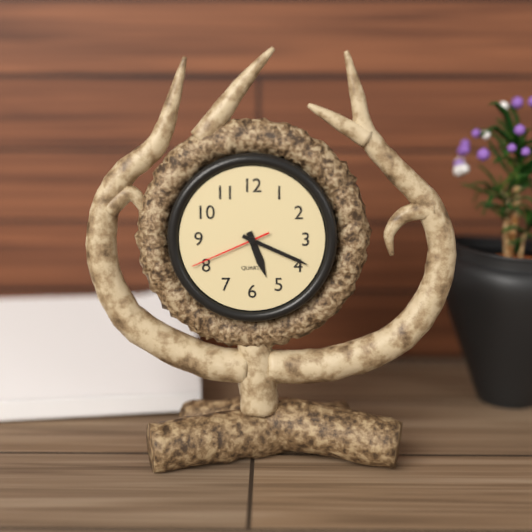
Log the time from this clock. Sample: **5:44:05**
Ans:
**5:19:41**
